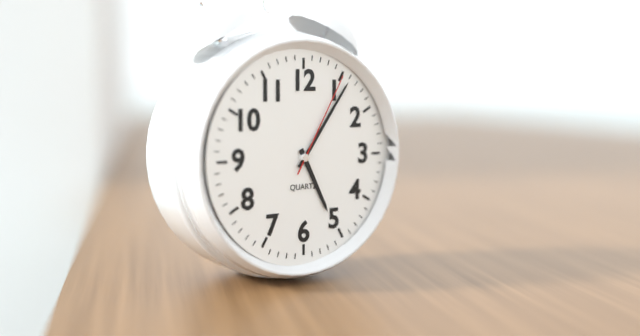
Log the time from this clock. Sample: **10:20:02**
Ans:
**5:06:05**
